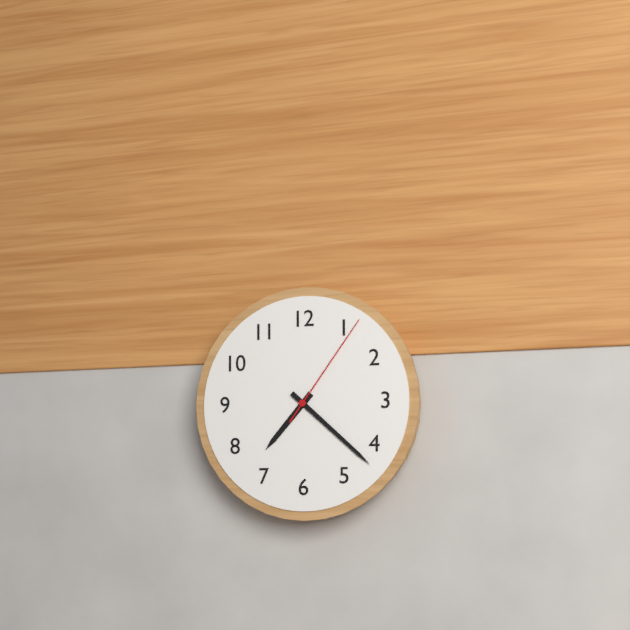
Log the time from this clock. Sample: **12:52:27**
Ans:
**7:22:06**
